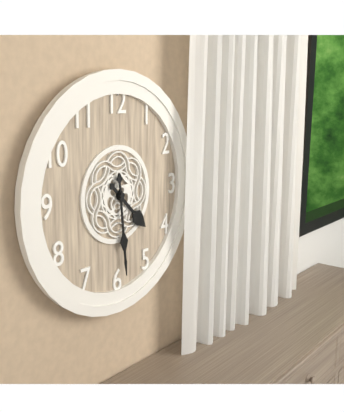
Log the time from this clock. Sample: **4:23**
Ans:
**4:29**
